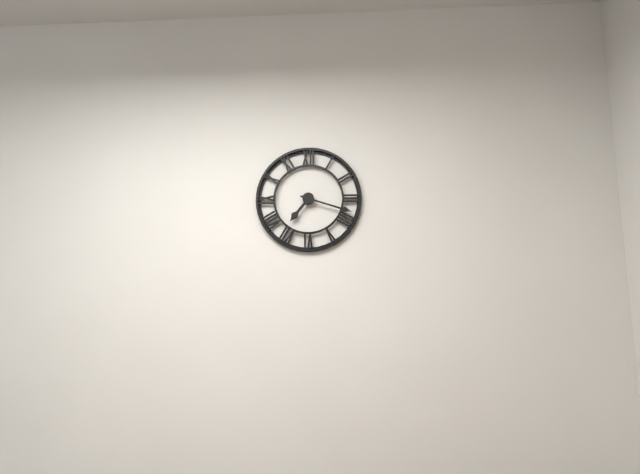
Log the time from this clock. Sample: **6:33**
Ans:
**7:18**
